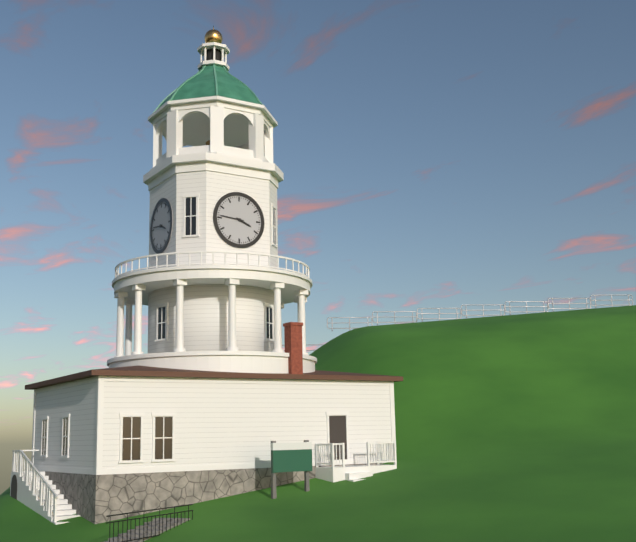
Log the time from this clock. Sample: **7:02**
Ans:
**3:46**
